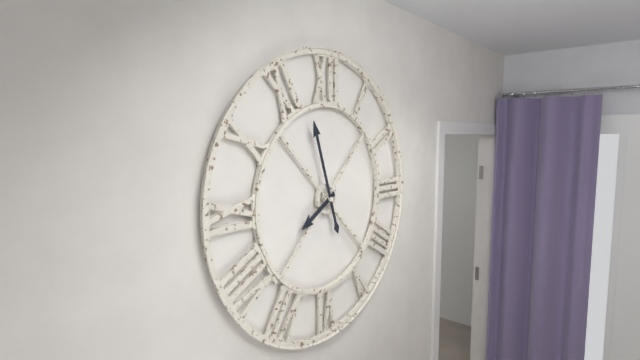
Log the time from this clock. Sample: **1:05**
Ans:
**7:57**
